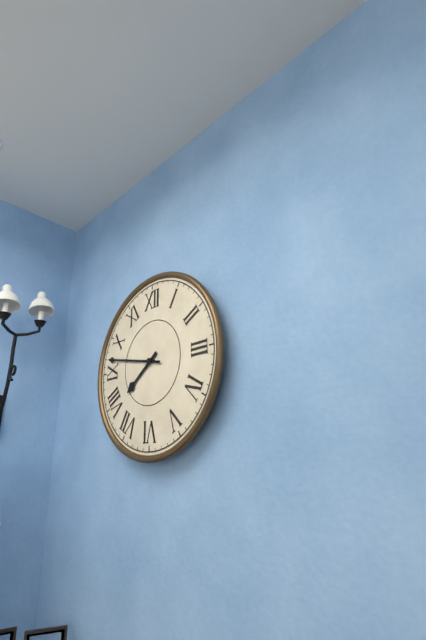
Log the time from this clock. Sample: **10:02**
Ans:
**7:47**
